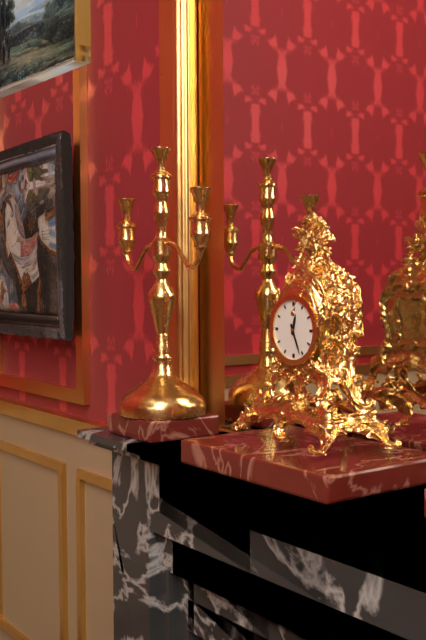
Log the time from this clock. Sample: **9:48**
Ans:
**12:26**
